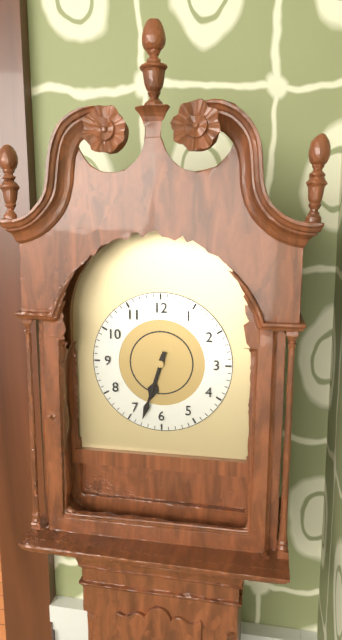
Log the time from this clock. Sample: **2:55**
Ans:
**6:33**
